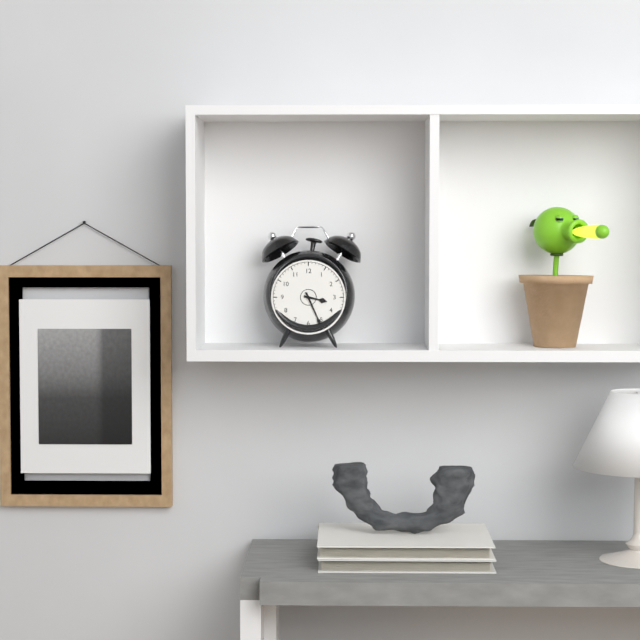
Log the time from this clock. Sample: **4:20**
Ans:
**3:26**
